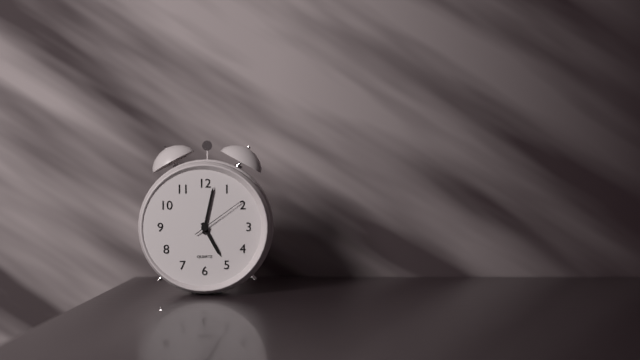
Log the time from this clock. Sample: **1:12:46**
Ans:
**5:02:09**
